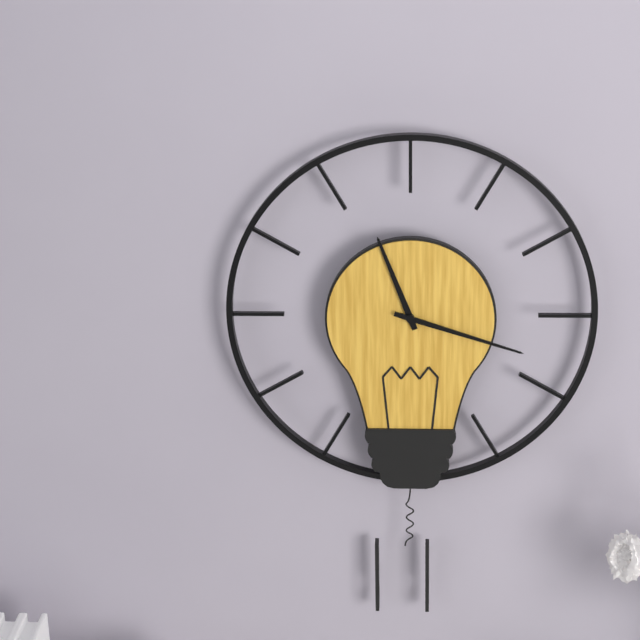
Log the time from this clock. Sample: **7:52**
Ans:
**11:18**
